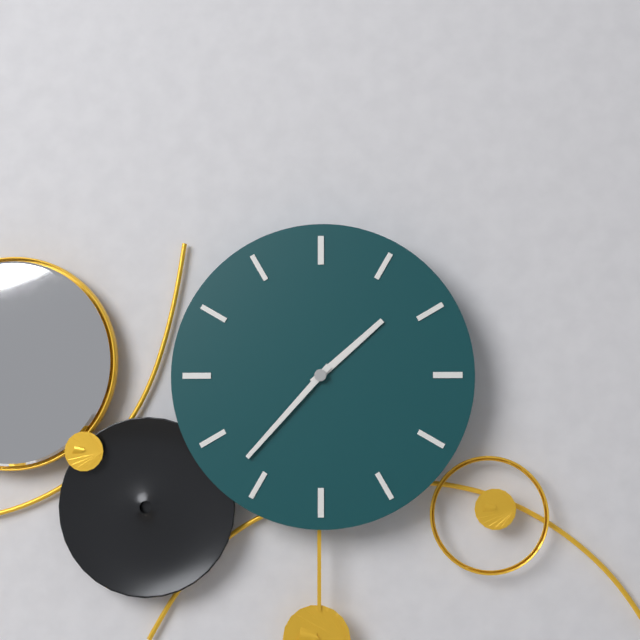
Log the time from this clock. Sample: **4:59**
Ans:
**1:37**
